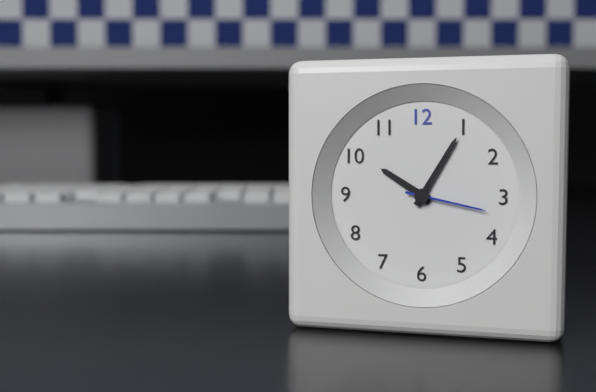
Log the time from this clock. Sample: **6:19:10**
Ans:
**10:05:17**
